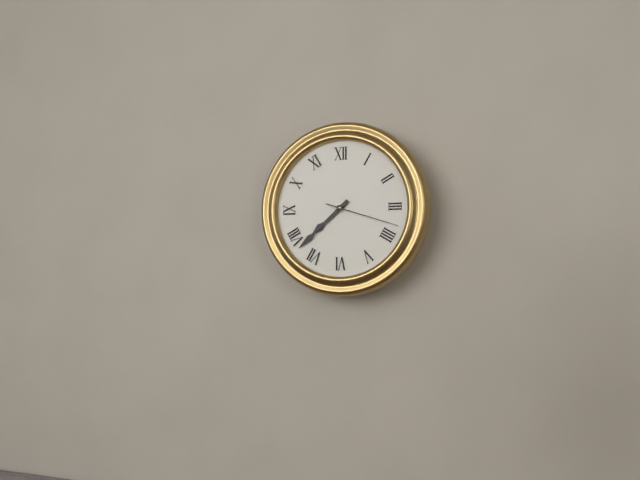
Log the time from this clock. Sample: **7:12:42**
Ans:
**7:38:18**
